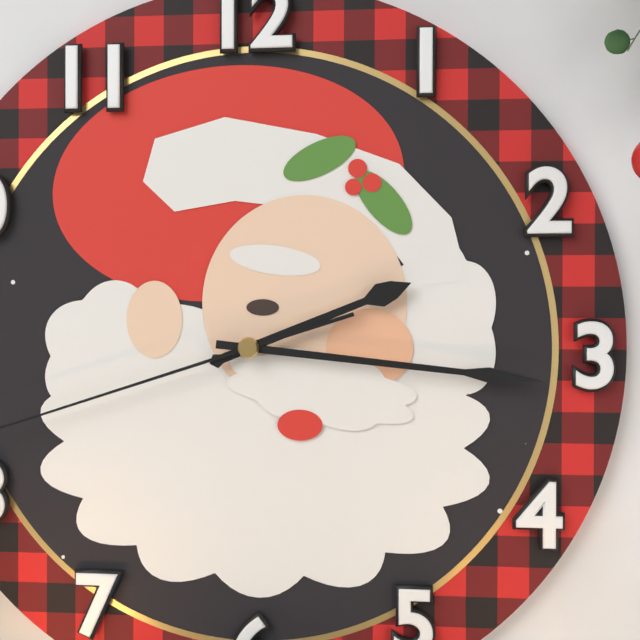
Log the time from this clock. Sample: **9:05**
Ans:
**2:16**
